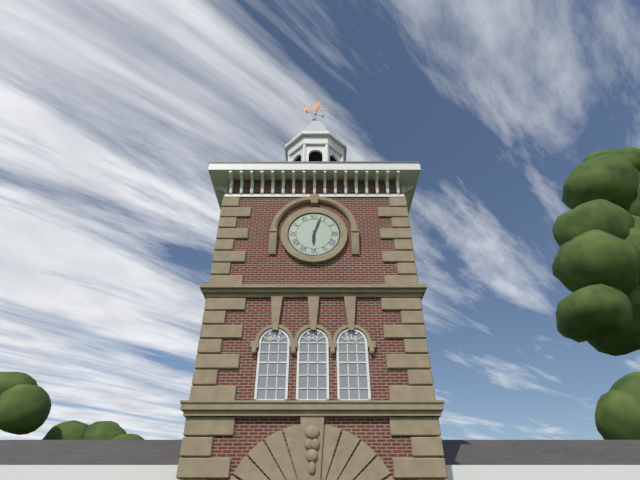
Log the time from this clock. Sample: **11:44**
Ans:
**6:03**
